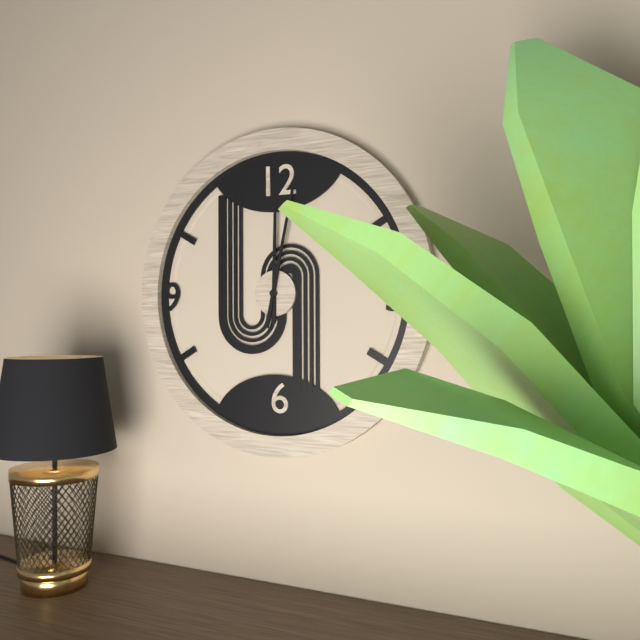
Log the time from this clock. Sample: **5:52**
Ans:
**12:02**
